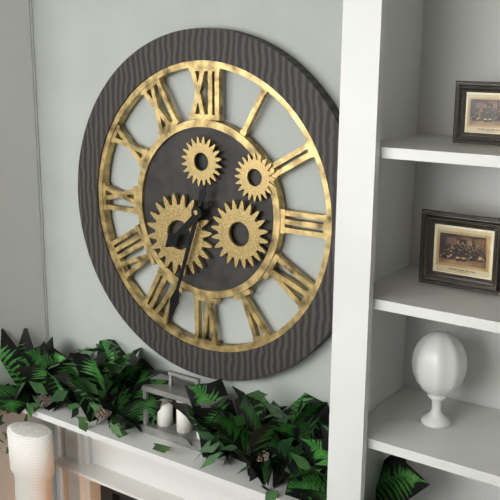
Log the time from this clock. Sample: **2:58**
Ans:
**7:33**
